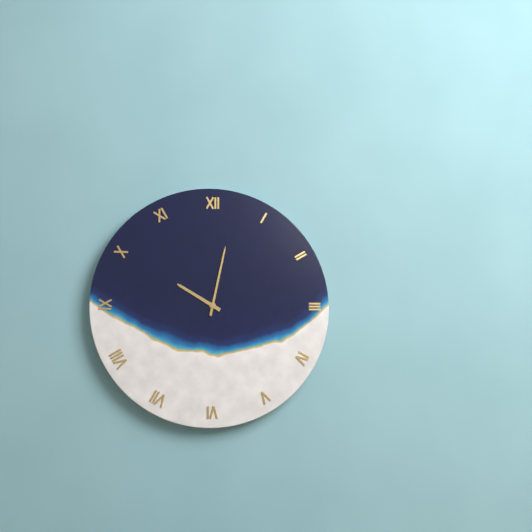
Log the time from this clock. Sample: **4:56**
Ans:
**10:02**
